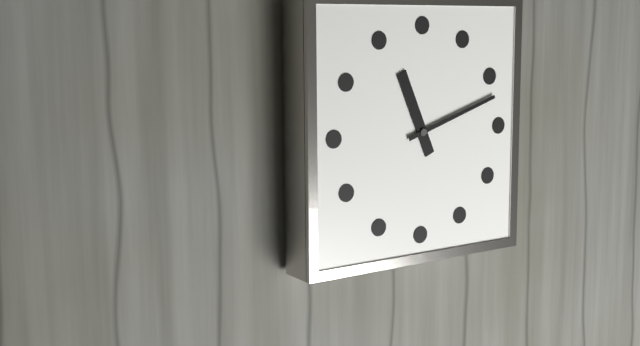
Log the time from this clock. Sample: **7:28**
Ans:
**11:12**
